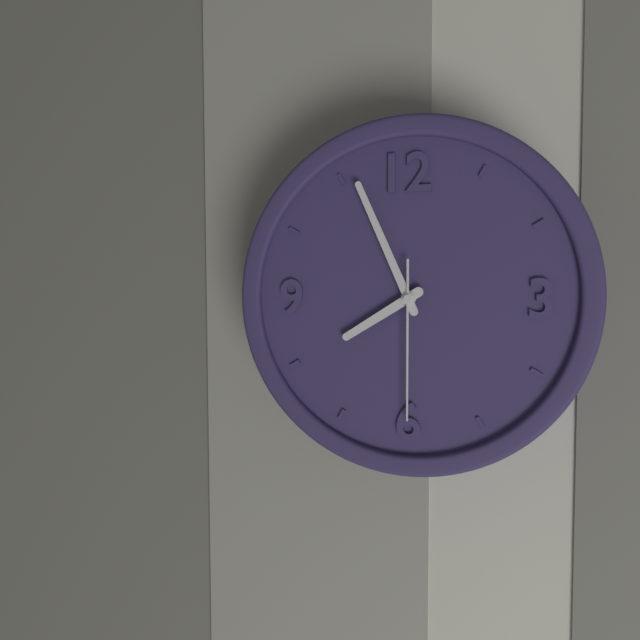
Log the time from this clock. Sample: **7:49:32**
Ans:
**7:56:30**
